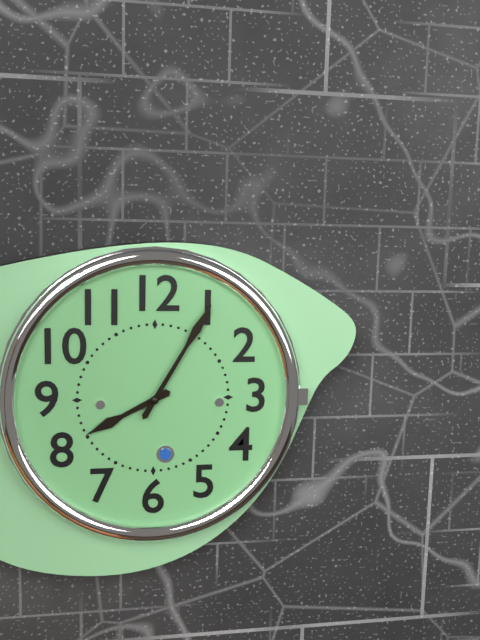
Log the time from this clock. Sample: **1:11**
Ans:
**8:05**
